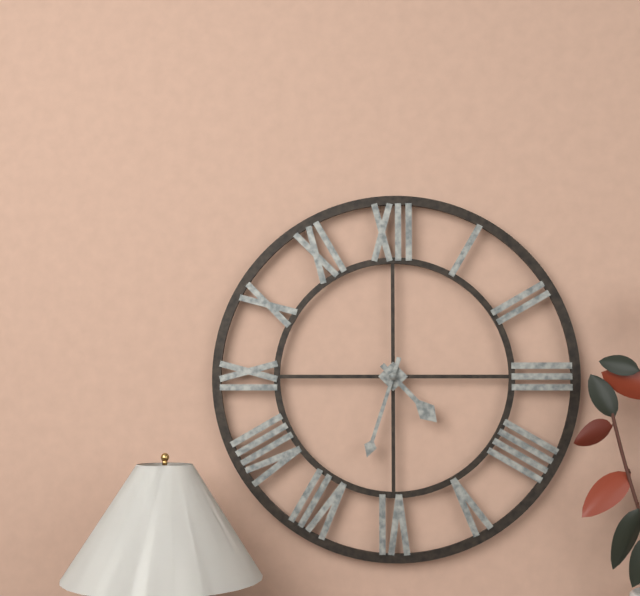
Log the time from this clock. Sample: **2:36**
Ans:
**4:33**
